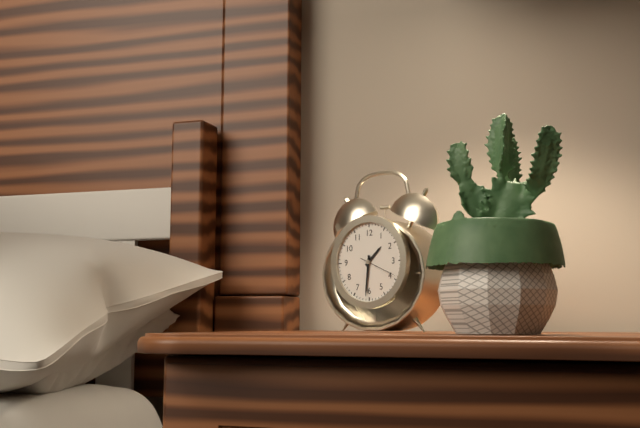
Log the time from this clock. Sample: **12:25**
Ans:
**1:31**
